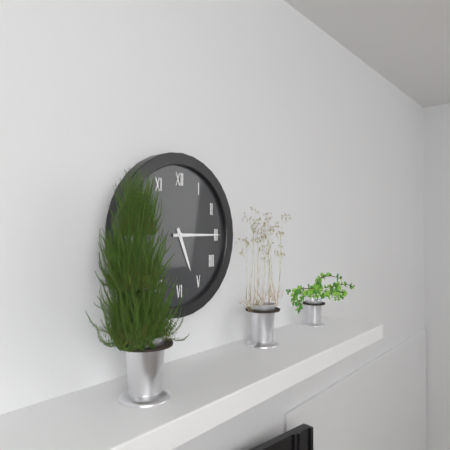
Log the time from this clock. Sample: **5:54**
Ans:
**5:15**
